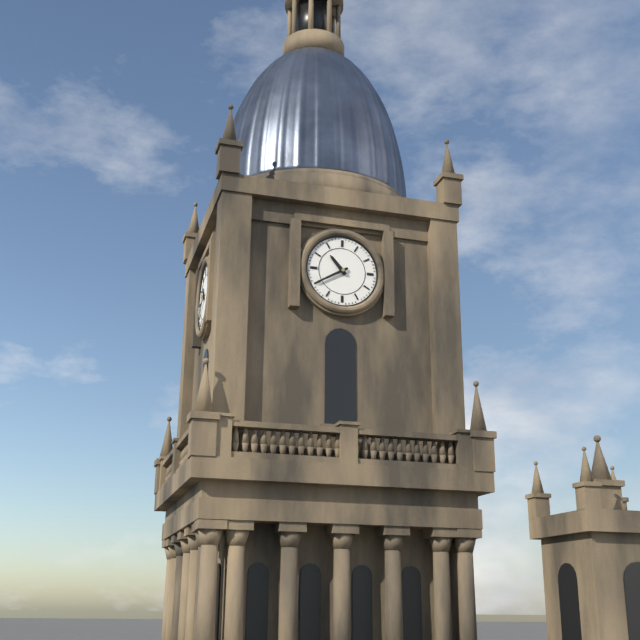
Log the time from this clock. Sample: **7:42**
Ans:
**10:40**
